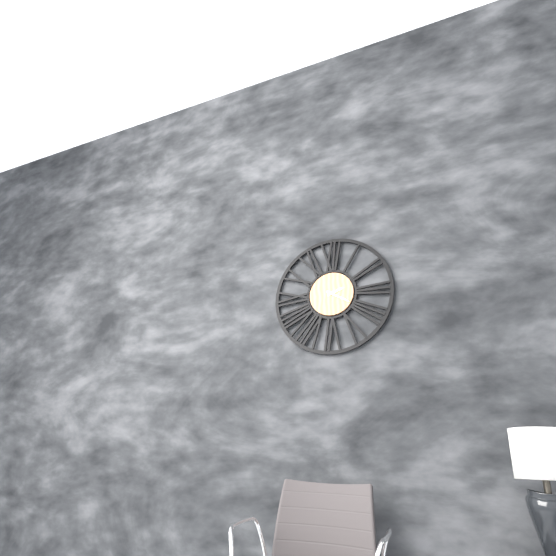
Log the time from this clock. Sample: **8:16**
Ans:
**2:20**
